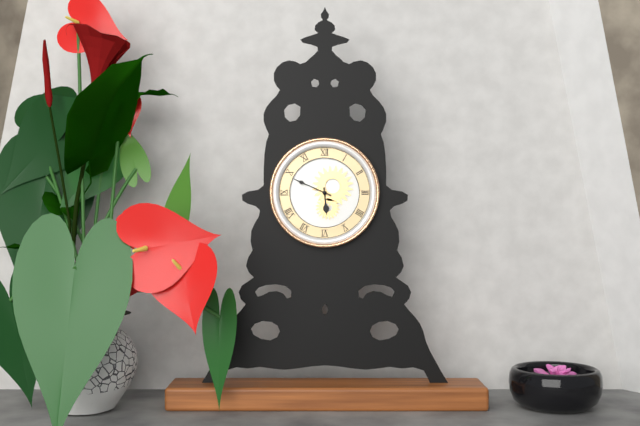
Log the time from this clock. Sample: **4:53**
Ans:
**5:49**
